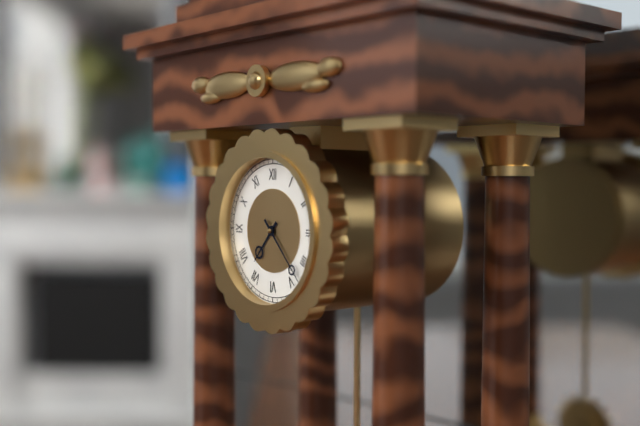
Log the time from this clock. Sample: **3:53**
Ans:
**7:23**
